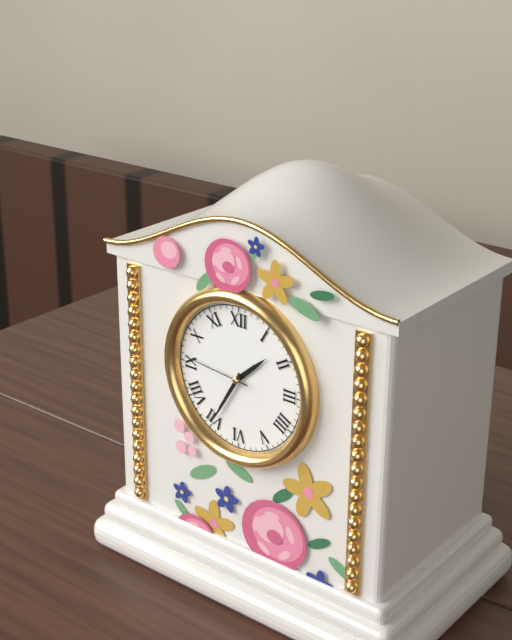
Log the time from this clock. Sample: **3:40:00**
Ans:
**1:35:46**
